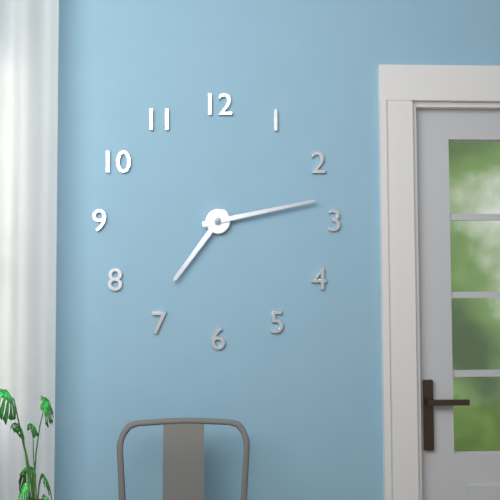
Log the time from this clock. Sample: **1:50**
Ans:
**7:13**
